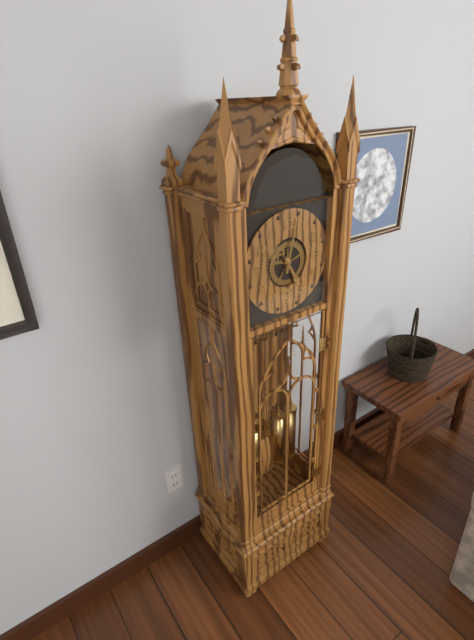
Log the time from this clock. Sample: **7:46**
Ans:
**5:02**
